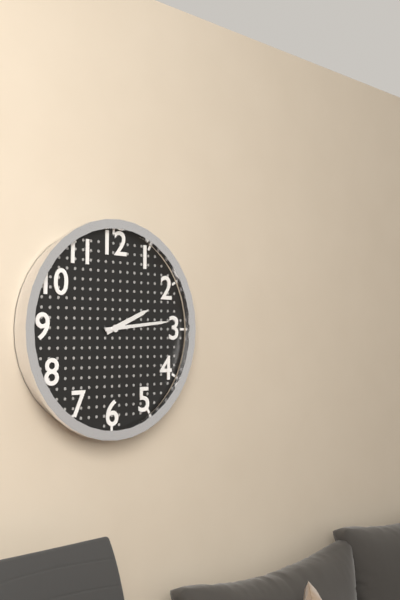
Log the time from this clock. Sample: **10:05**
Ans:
**2:14**
